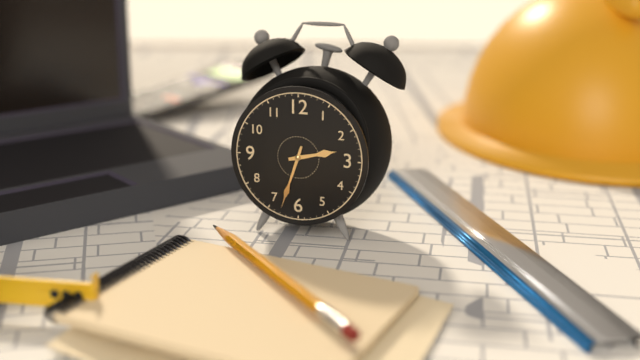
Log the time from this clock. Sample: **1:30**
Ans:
**2:33**
